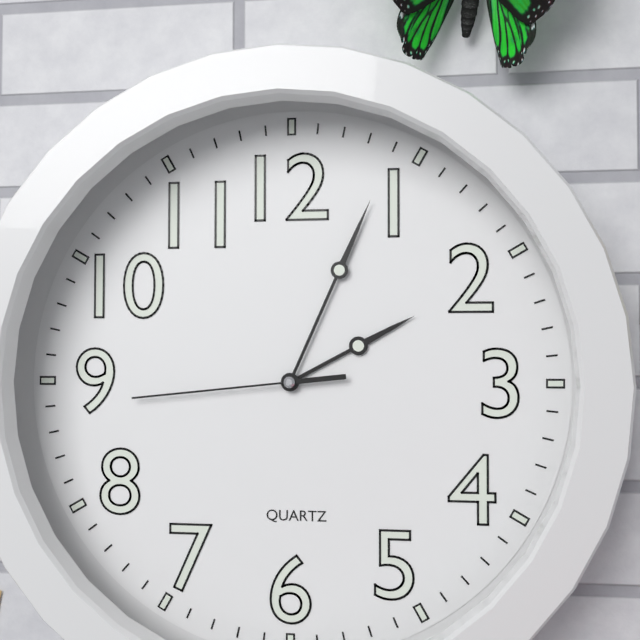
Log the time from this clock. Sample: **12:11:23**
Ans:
**2:04:44**
